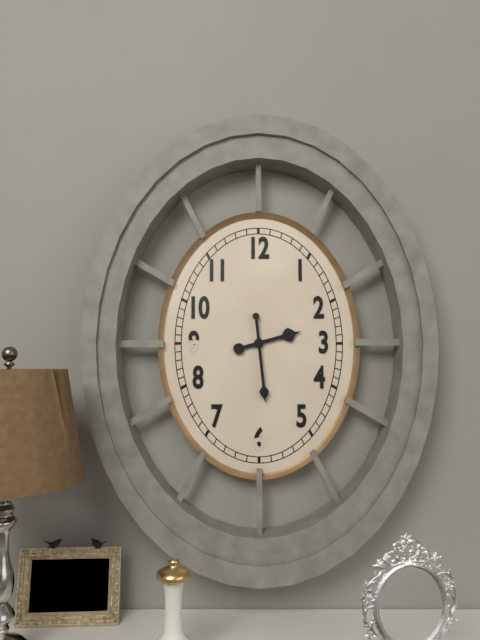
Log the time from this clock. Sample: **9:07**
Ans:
**2:29**
